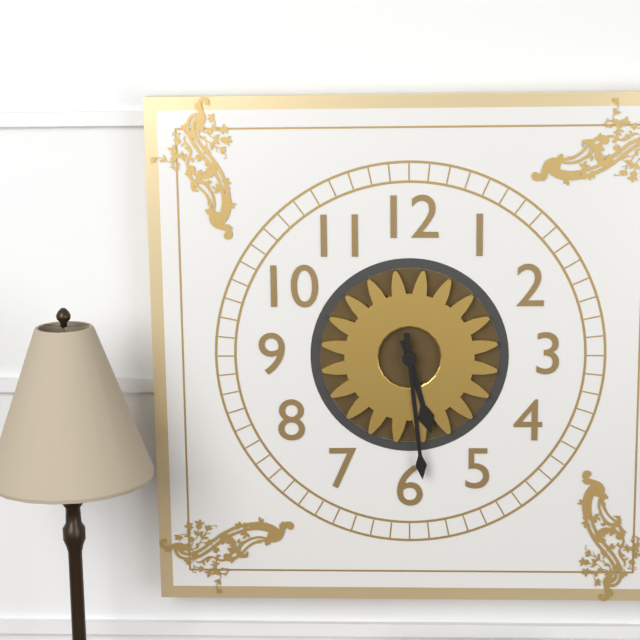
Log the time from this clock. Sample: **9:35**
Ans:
**5:29**
